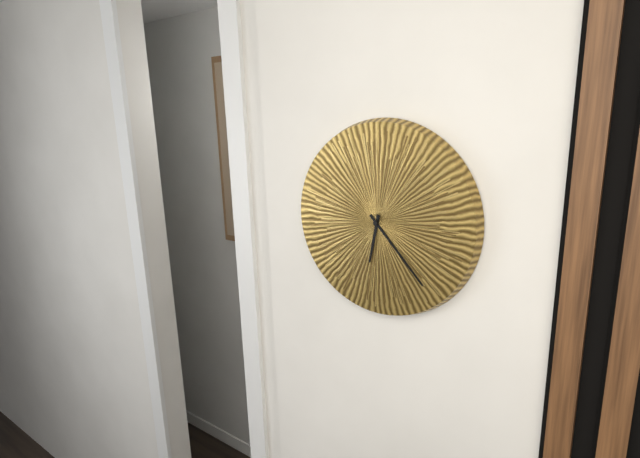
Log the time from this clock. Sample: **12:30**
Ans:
**6:23**
